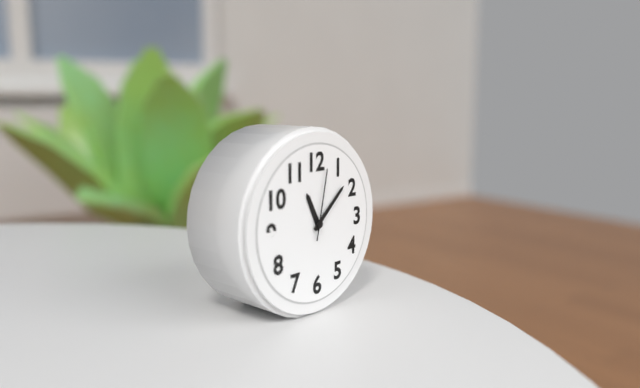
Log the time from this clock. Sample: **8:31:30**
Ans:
**11:08:02**
